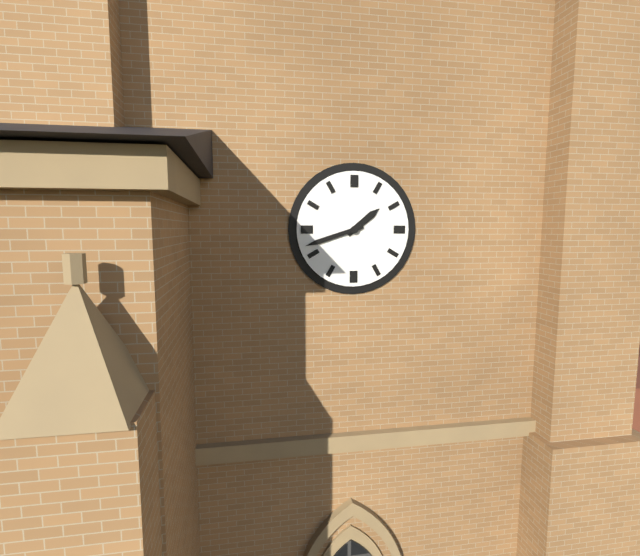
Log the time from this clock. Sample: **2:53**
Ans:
**1:42**
